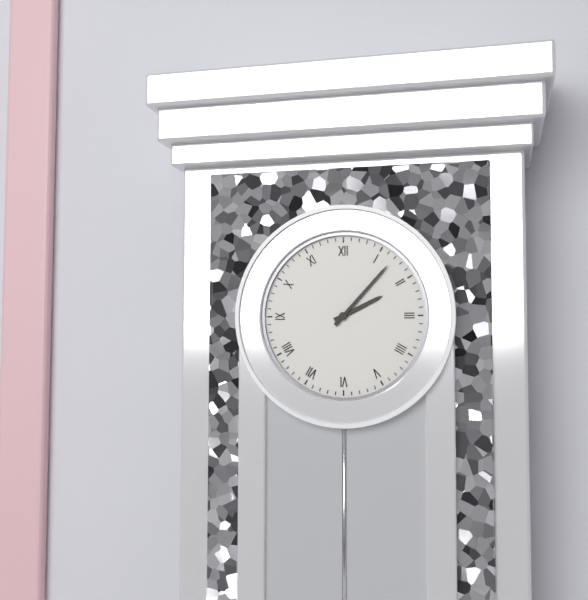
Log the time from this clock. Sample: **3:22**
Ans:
**2:07**
